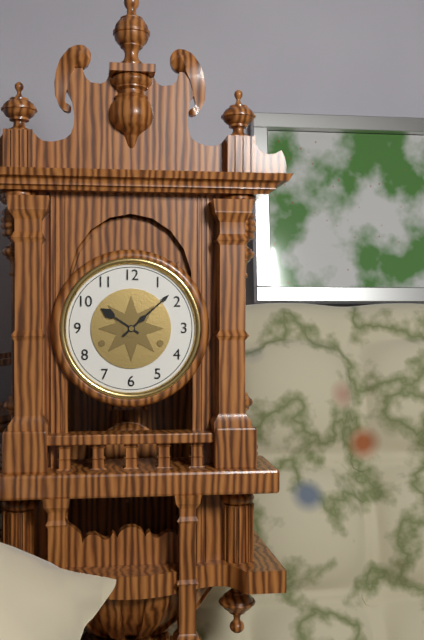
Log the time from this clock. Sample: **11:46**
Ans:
**10:08**
